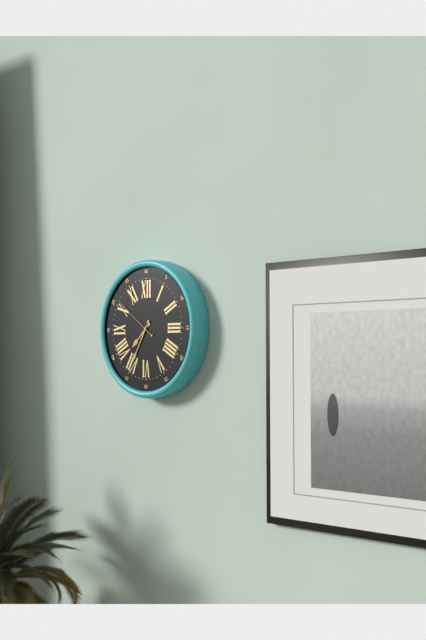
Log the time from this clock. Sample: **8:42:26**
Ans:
**7:35:51**
